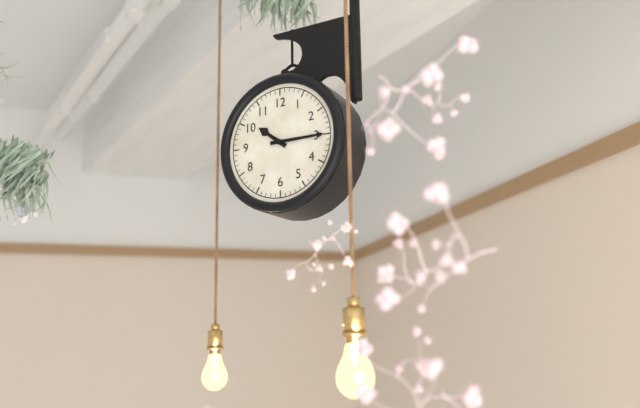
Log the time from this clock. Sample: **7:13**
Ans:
**10:15**
